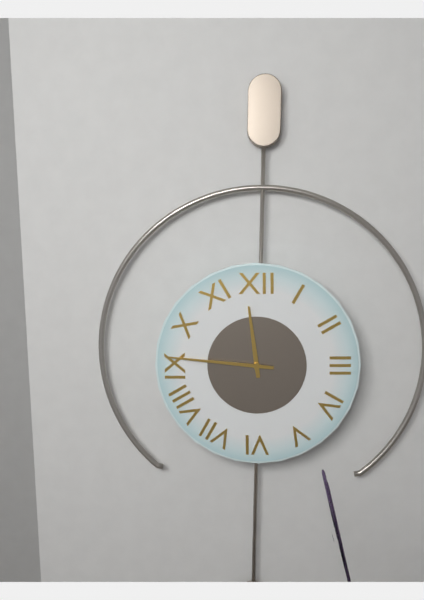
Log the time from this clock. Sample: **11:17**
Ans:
**11:46**
